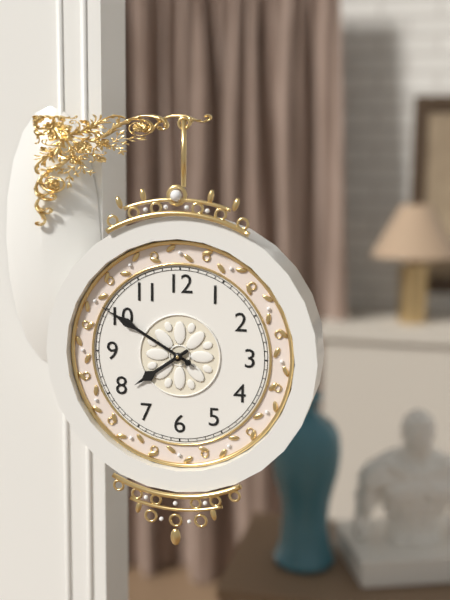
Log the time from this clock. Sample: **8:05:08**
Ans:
**7:50:50**
